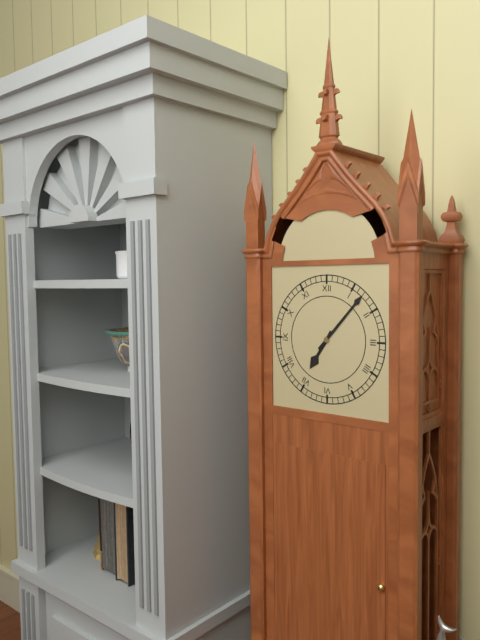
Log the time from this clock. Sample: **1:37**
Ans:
**7:07**
